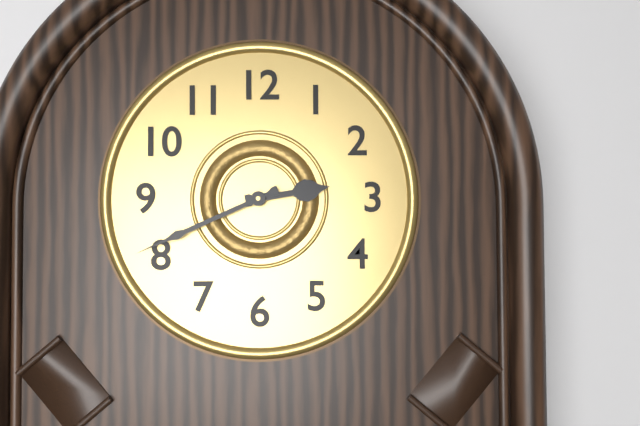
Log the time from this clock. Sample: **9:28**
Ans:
**2:41**
